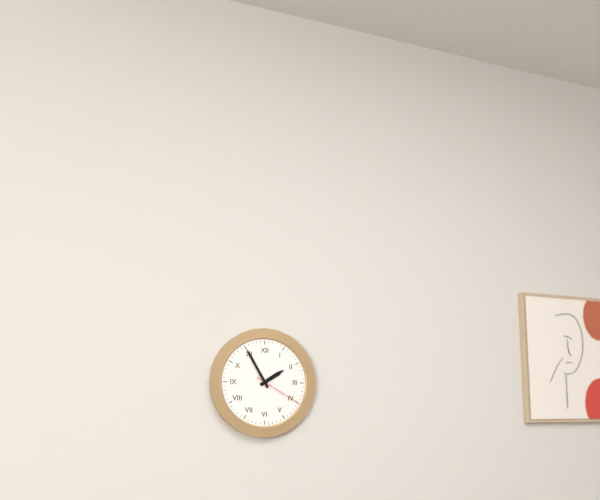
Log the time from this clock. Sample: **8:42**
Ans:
**1:55**
